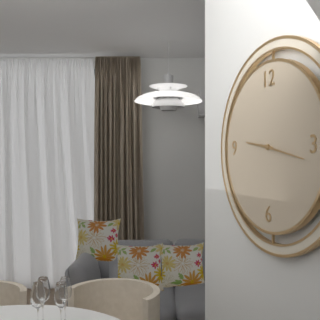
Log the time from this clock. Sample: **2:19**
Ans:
**9:17**
